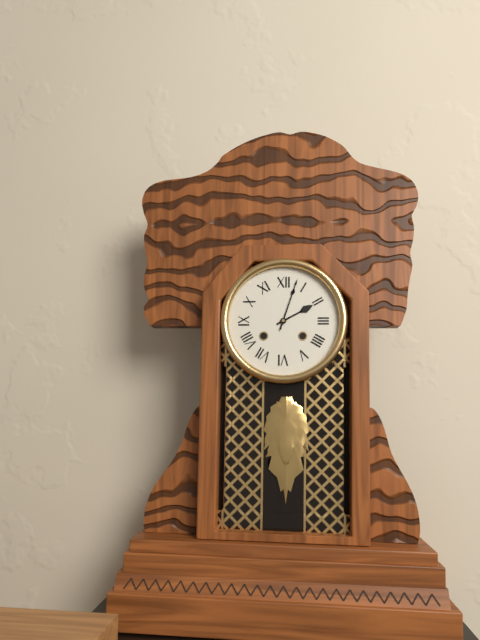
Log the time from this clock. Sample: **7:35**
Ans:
**2:03**
